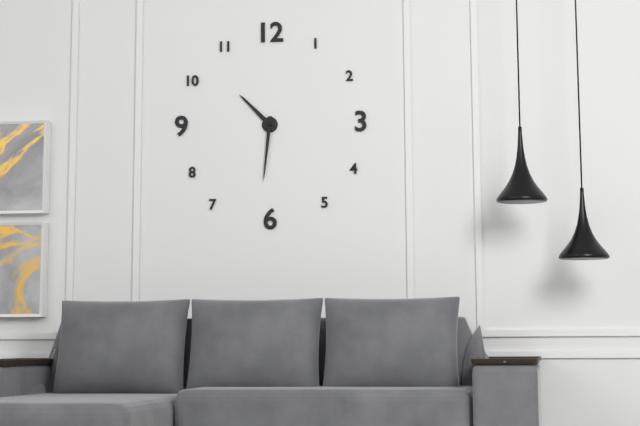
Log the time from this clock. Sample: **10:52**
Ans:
**10:31**
